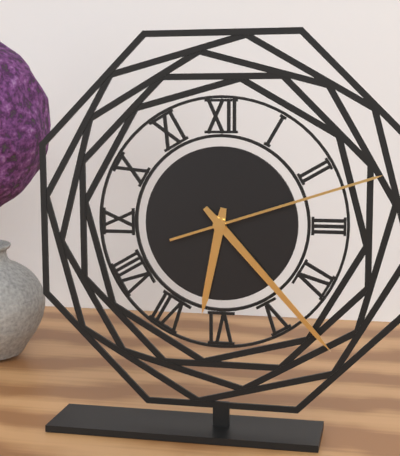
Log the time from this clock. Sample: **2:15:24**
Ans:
**6:23:12**
